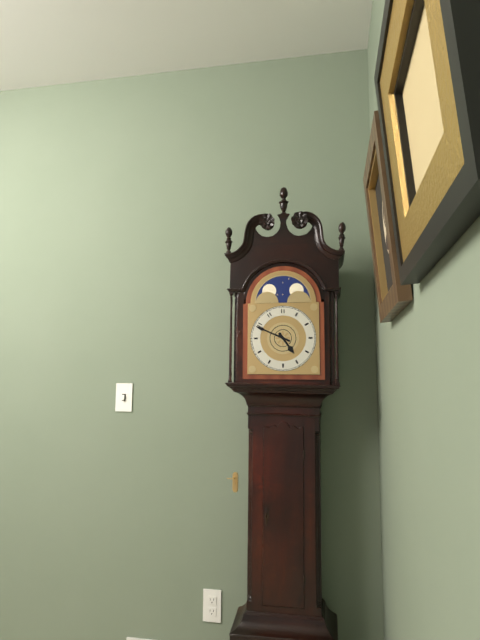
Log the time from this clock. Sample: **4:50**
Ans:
**4:49**
